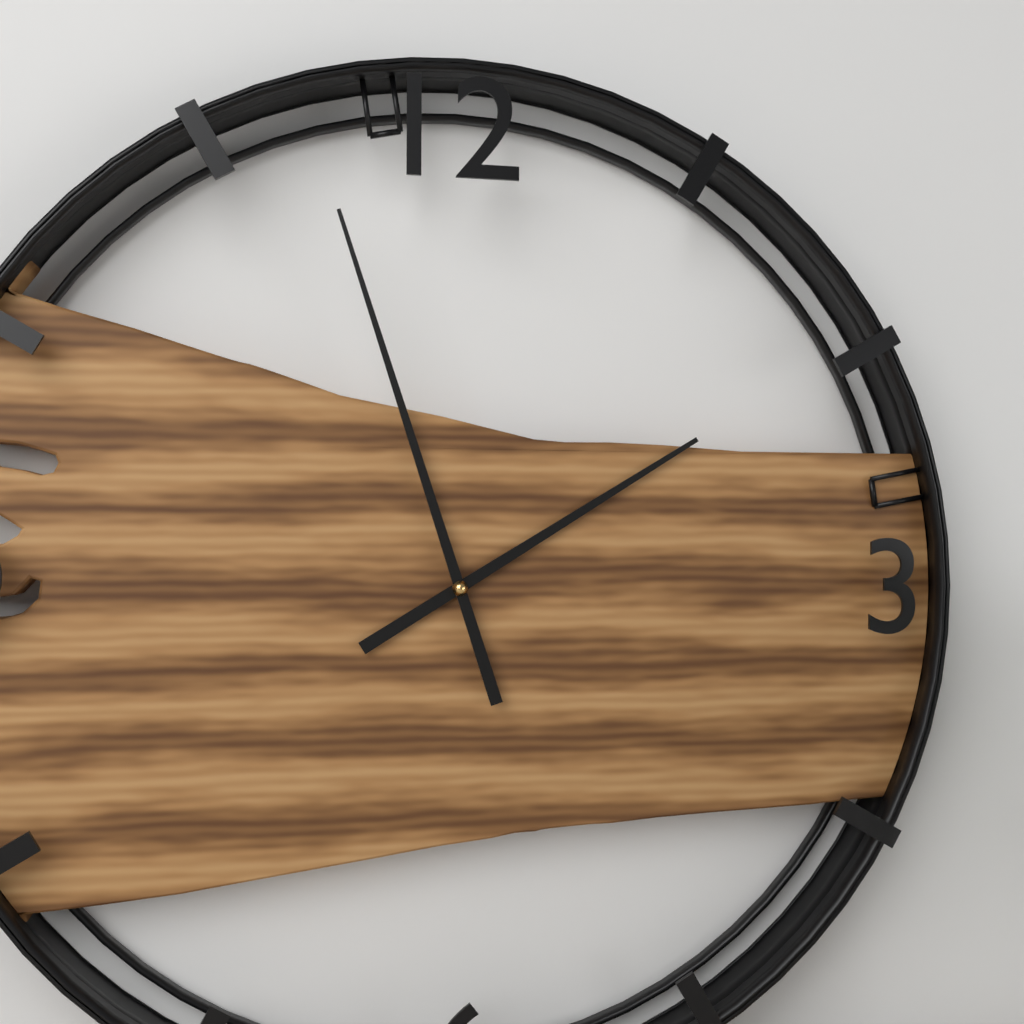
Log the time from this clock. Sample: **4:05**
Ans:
**1:57**
